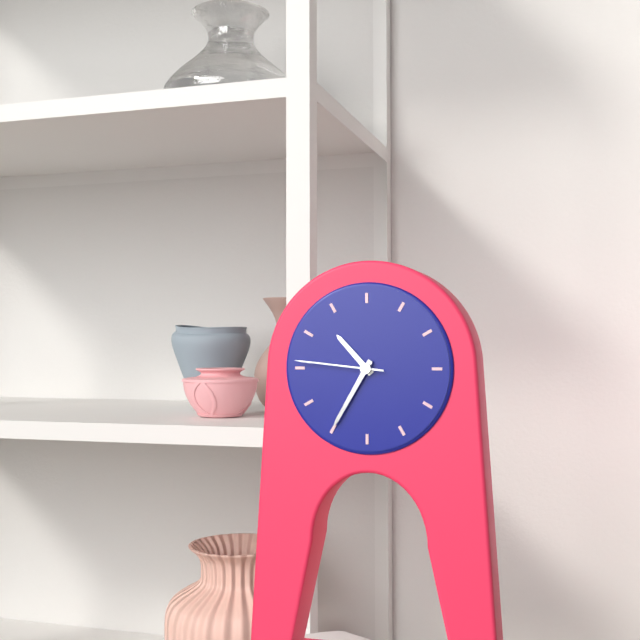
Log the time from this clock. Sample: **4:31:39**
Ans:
**10:35:46**
